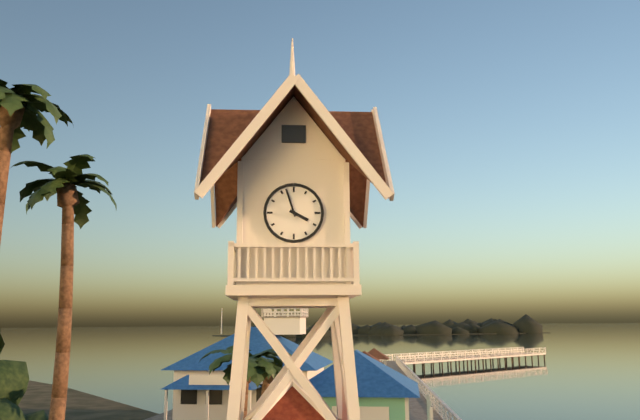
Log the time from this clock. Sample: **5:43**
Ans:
**3:57**
